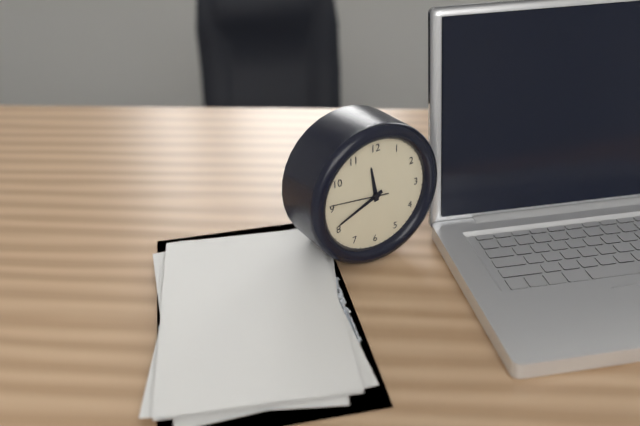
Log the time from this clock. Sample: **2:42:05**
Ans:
**11:41:46**
